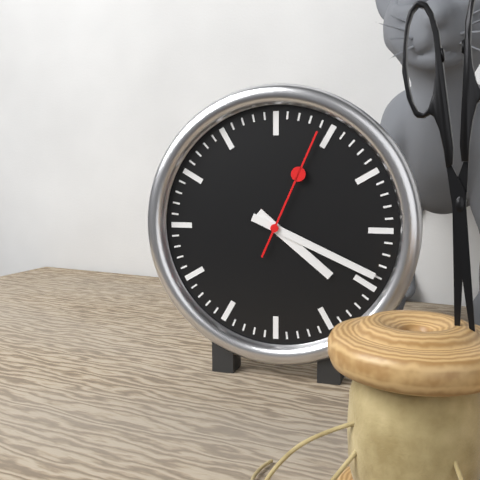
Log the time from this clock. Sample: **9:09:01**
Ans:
**4:19:04**
